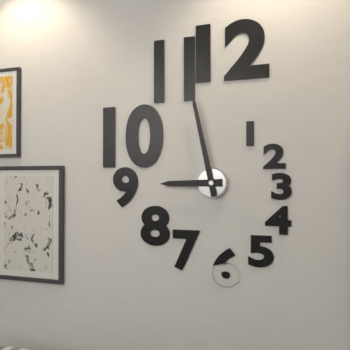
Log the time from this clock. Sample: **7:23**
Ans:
**8:58**
